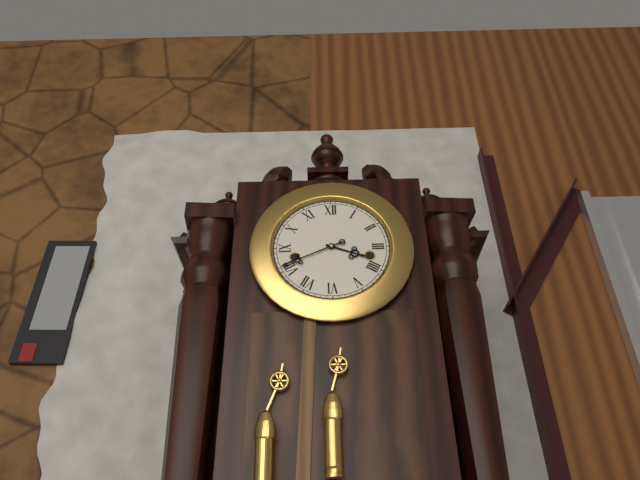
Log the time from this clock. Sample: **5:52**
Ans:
**3:41**
